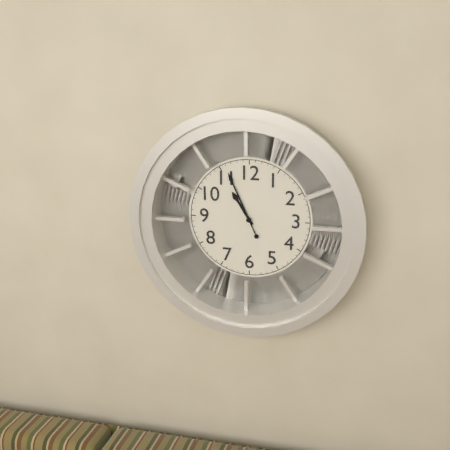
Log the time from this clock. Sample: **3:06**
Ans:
**10:56**
